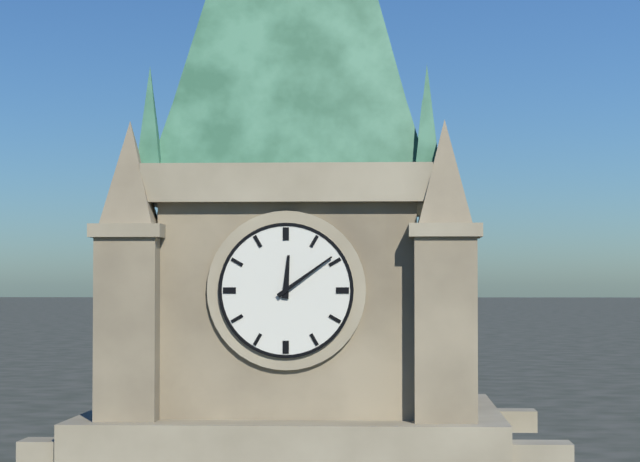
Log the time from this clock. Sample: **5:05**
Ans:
**12:09**
